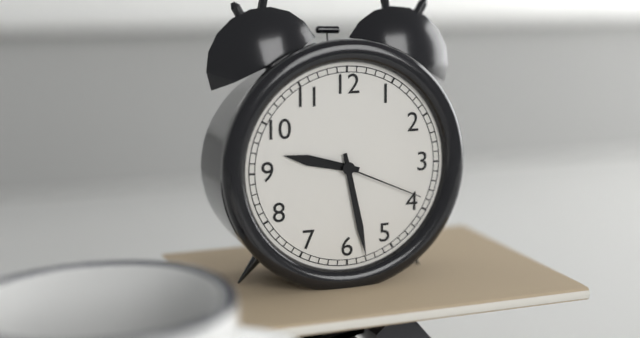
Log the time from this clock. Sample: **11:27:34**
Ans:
**9:28:19**
